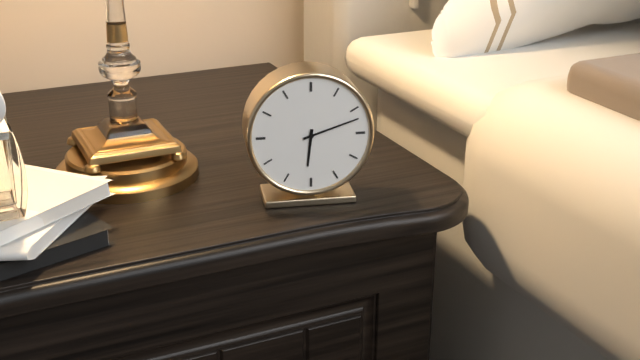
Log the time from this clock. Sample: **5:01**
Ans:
**6:12**
